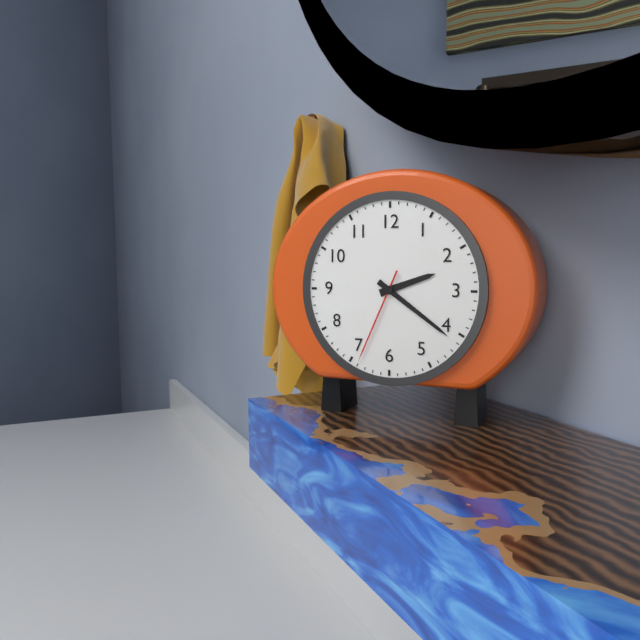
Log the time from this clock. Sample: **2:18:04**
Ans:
**2:21:34**
